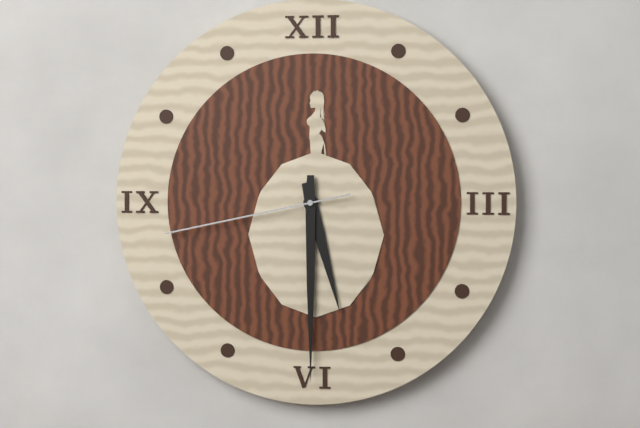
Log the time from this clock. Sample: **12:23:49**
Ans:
**5:30:43**
